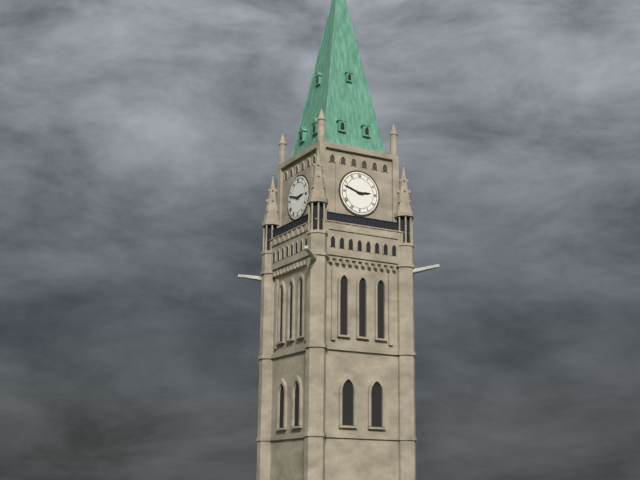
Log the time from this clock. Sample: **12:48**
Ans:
**2:48**
